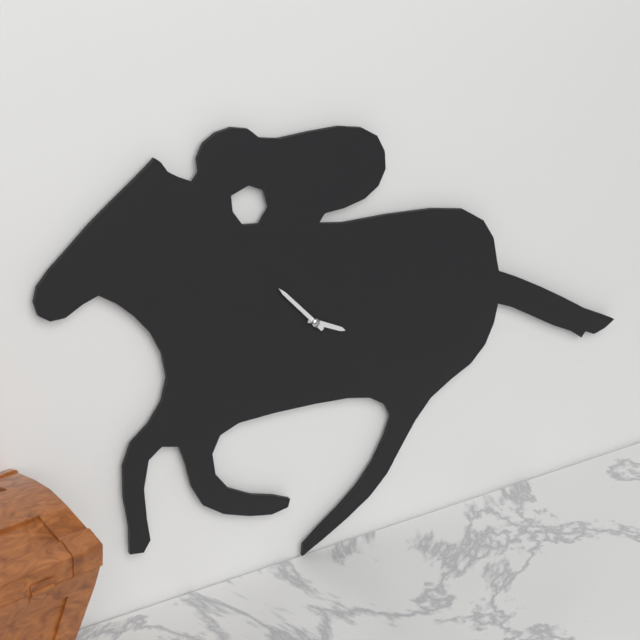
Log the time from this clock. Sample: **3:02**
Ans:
**3:53**
